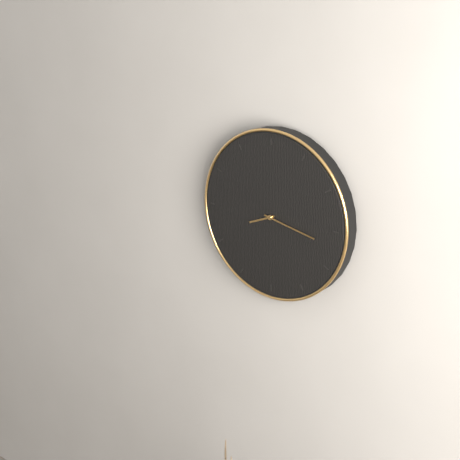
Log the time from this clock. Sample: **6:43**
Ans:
**8:17**
